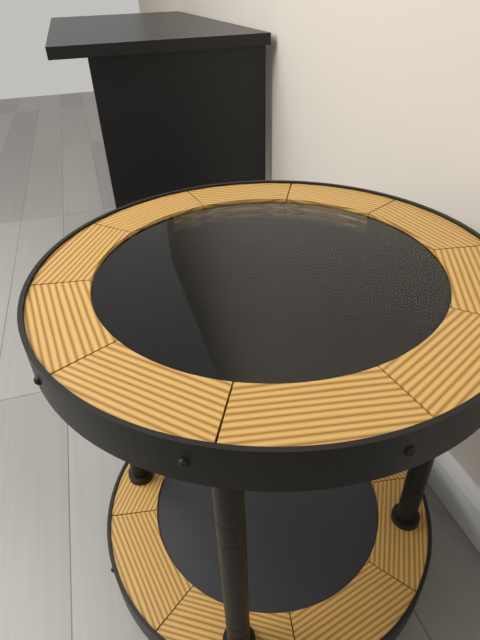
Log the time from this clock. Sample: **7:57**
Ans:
**4:03**
